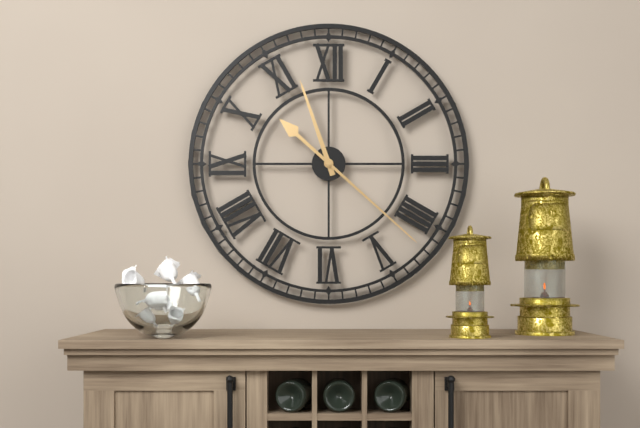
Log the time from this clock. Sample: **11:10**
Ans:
**11:22**
